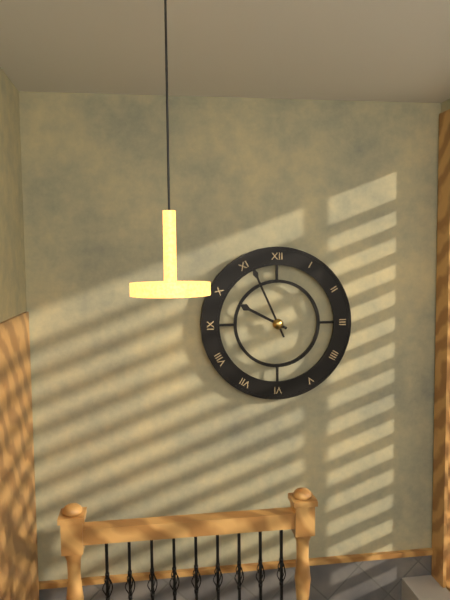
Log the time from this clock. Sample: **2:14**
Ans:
**9:56**
